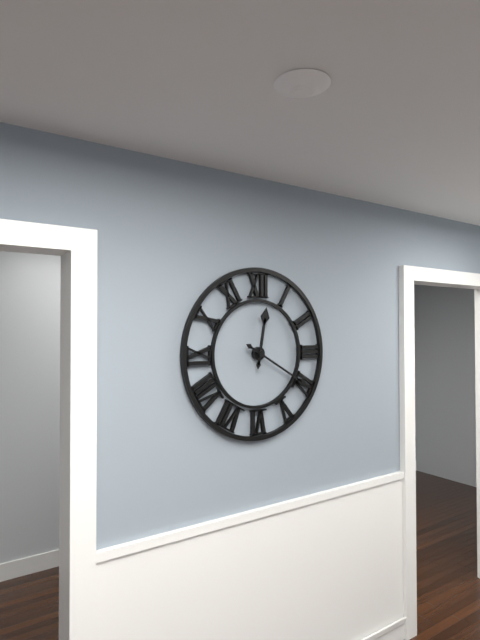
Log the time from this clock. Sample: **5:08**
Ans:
**12:20**
